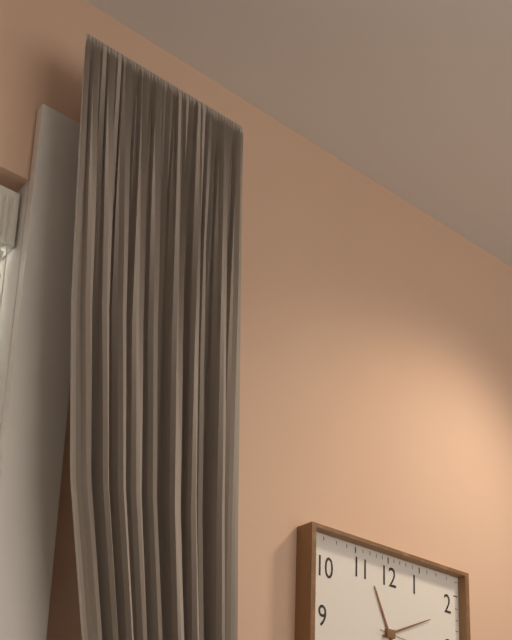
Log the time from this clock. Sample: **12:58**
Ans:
**11:11**
